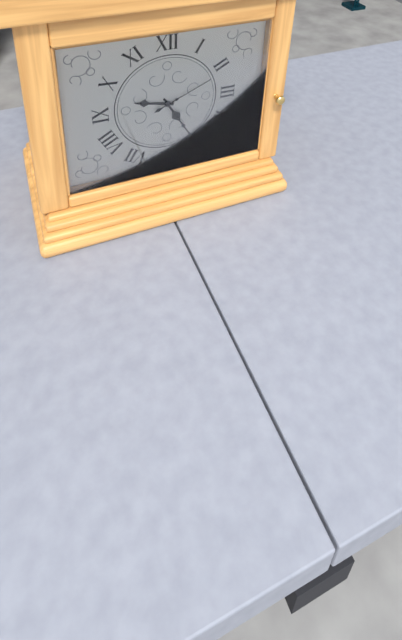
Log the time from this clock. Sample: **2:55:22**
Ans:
**9:25:11**
